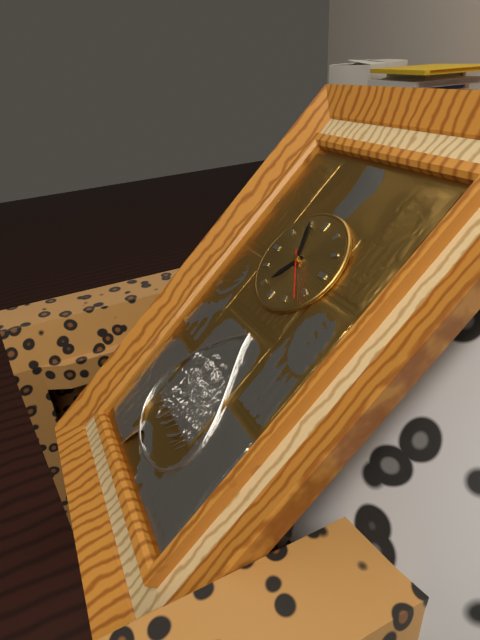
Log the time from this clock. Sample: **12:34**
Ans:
**6:55**
